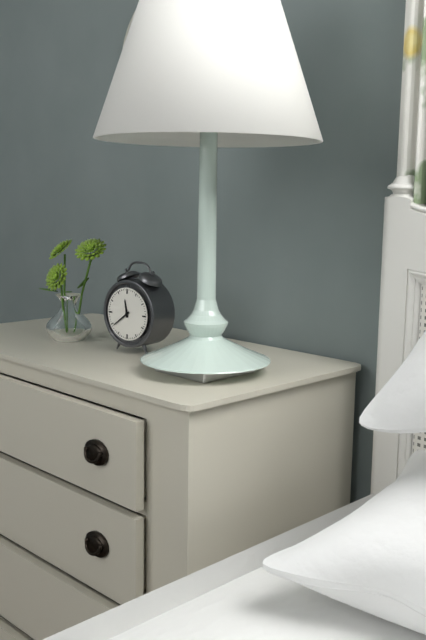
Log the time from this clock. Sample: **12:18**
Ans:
**11:39**
